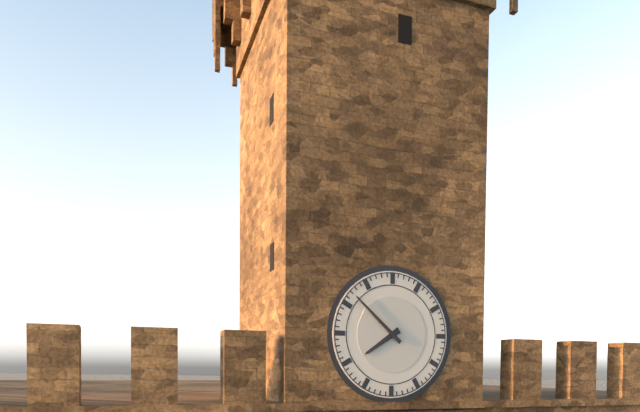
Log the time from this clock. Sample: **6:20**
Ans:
**7:52**
